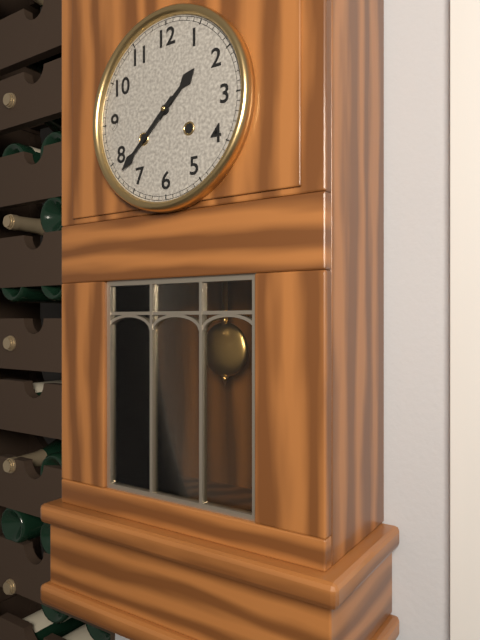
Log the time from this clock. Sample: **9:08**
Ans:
**1:38**
